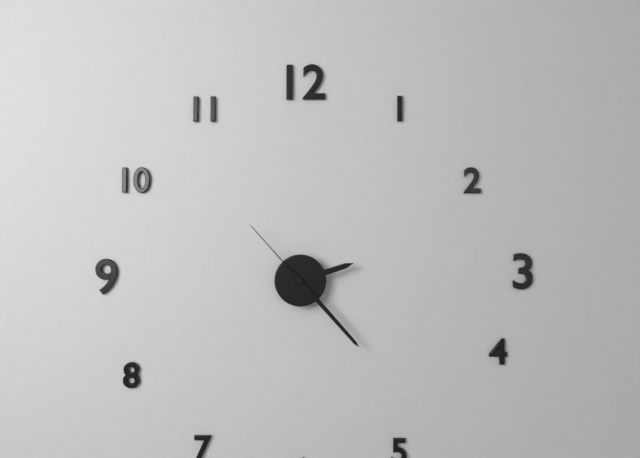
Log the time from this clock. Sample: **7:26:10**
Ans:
**2:23:53**
